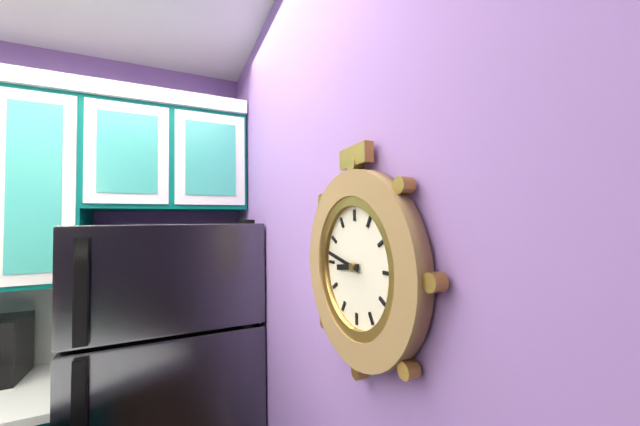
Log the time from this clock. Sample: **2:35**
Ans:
**8:47**
